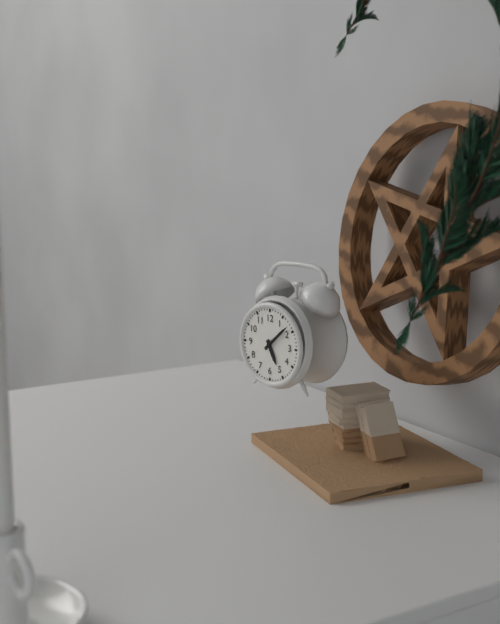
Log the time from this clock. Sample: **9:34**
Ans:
**5:08**
